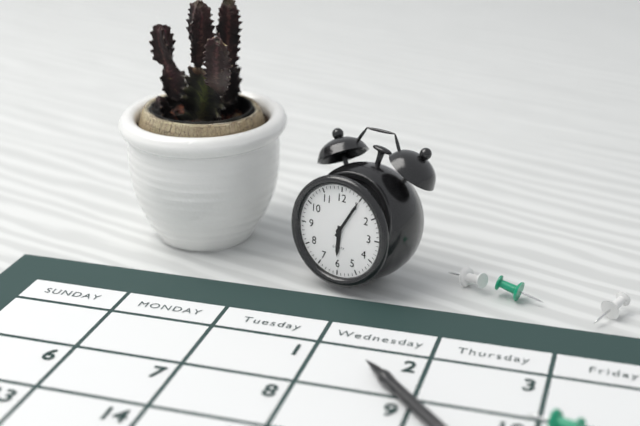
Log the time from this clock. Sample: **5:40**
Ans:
**6:05**
